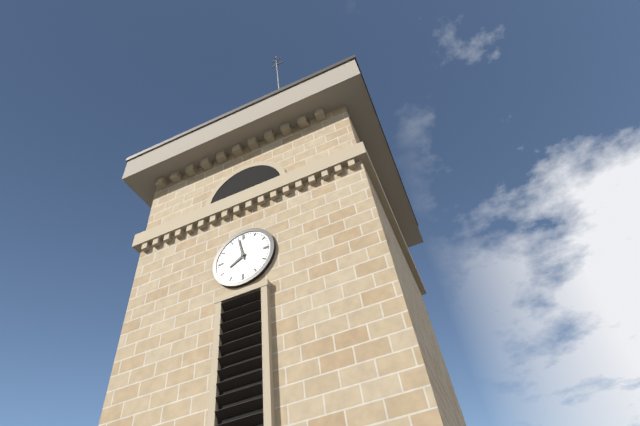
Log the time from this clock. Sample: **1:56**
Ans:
**7:58**
